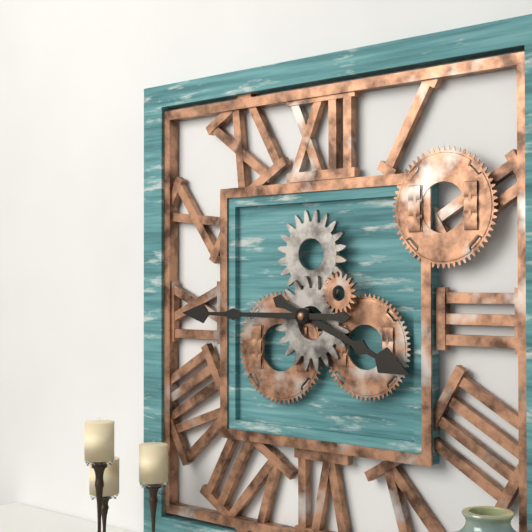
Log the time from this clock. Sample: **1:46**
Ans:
**3:45**
